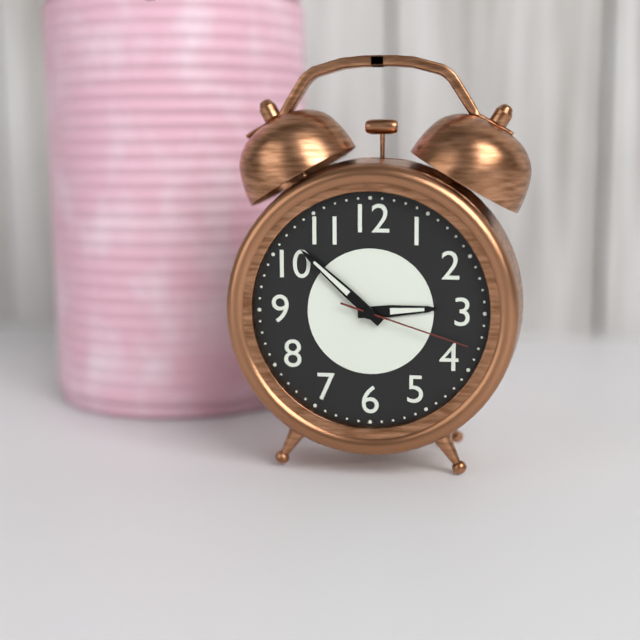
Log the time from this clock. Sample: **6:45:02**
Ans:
**2:52:18**
